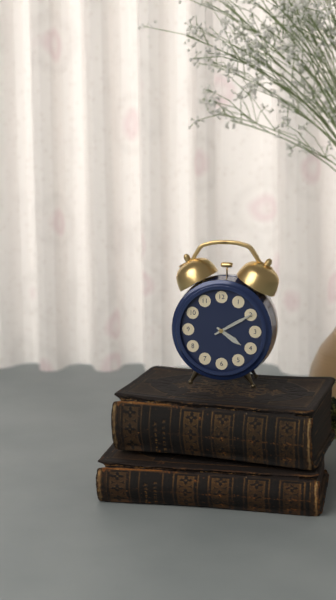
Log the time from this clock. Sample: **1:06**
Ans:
**4:10**
